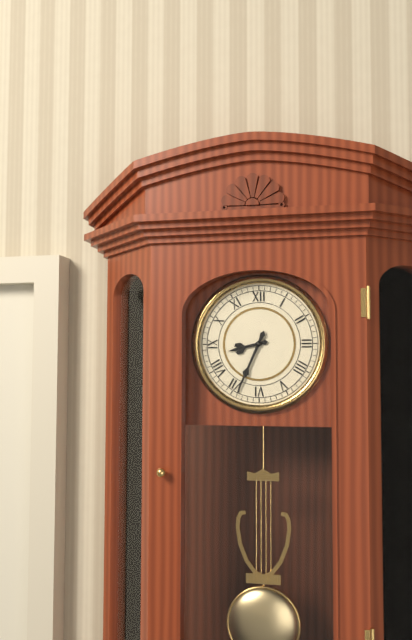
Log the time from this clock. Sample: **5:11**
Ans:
**8:34**
